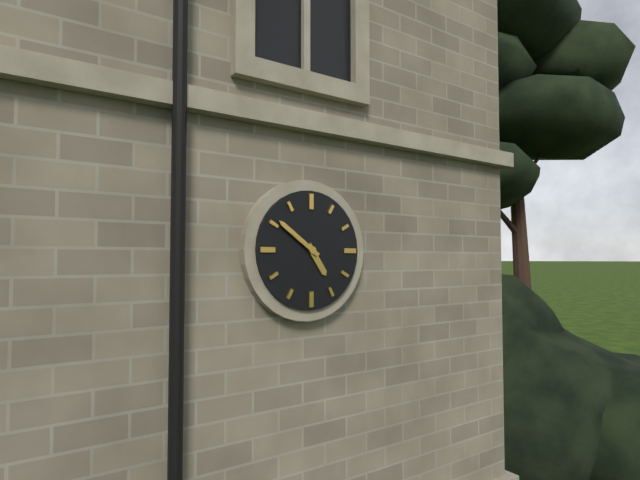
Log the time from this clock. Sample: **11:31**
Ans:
**4:51**
